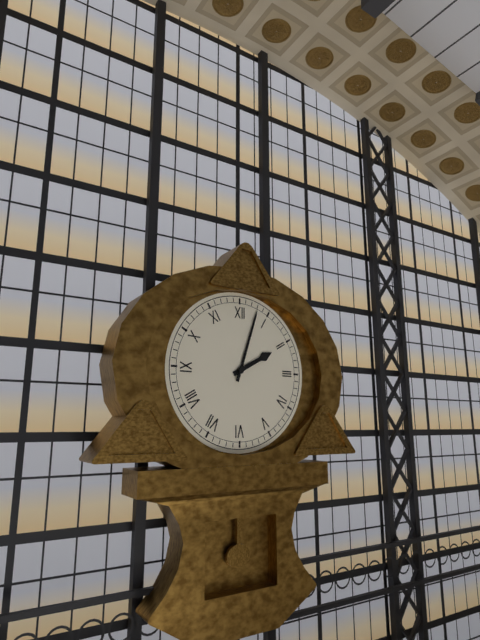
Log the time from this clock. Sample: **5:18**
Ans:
**2:03**
